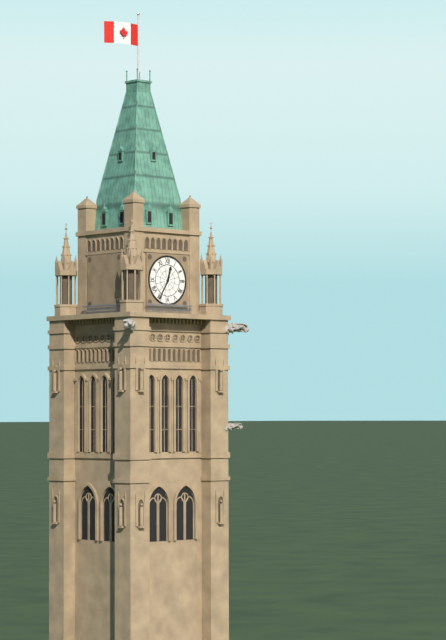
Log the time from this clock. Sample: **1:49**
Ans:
**12:35**
